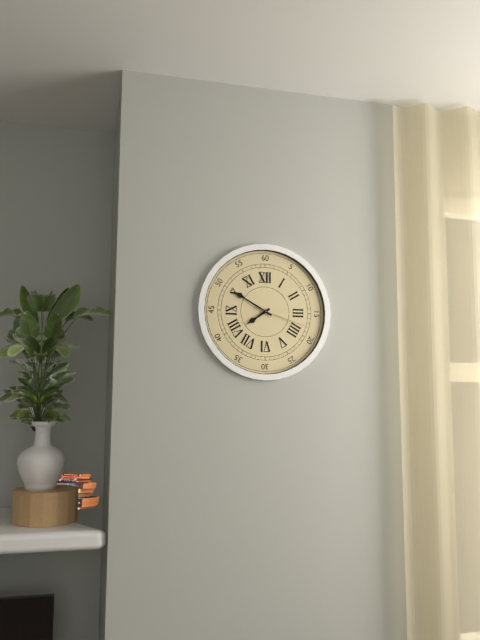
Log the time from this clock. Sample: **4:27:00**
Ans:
**7:50:18**
